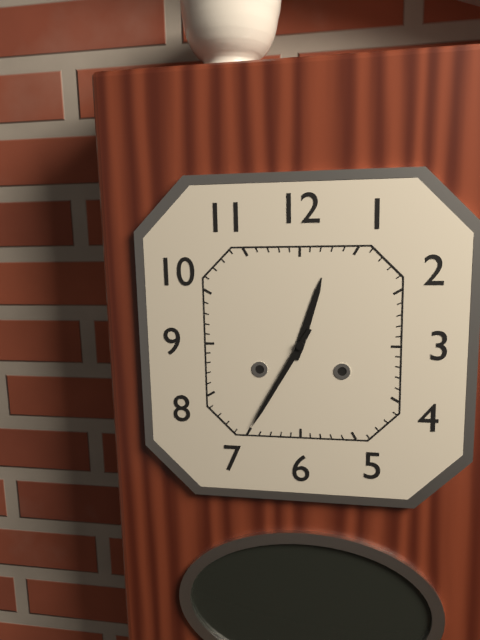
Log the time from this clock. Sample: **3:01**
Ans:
**12:35**
